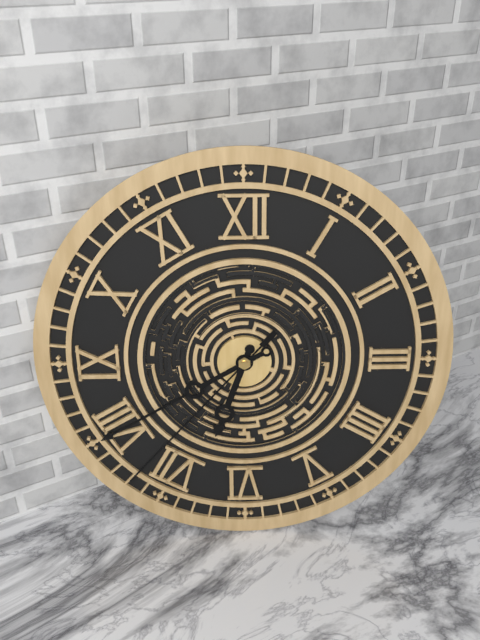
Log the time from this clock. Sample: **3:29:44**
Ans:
**6:40:37**
